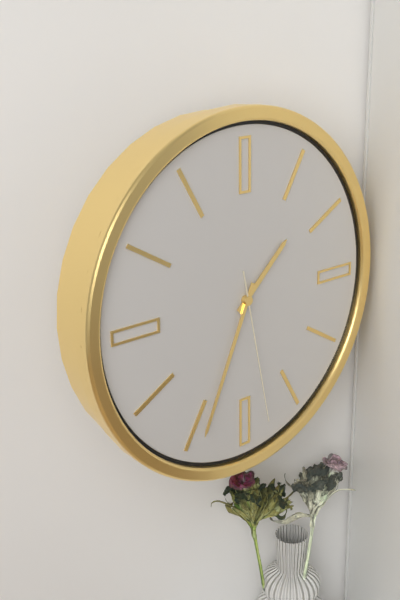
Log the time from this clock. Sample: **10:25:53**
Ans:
**1:34:28**
